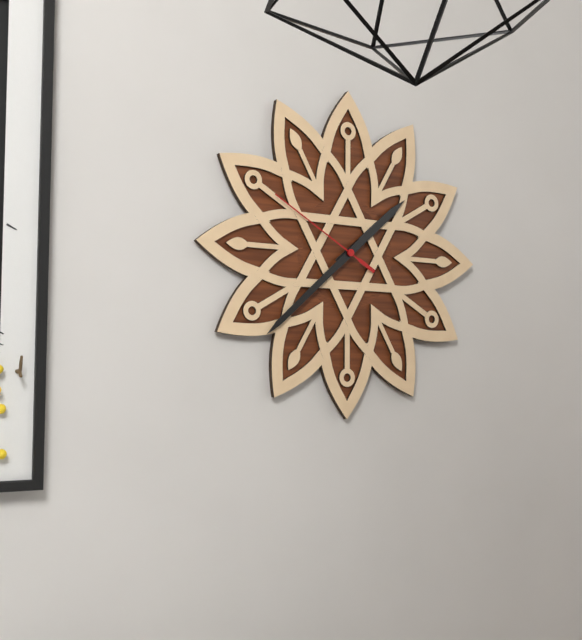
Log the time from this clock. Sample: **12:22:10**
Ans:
**1:38:50**
